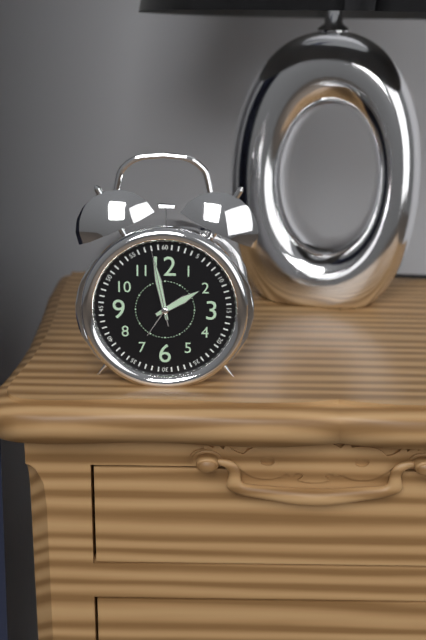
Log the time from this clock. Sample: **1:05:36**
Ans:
**1:58:58**
